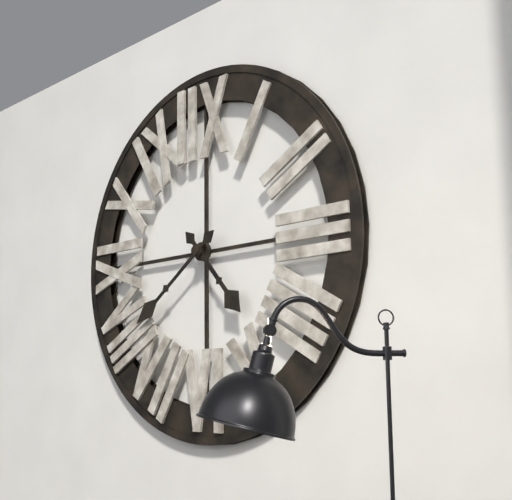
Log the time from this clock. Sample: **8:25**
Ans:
**4:39**
